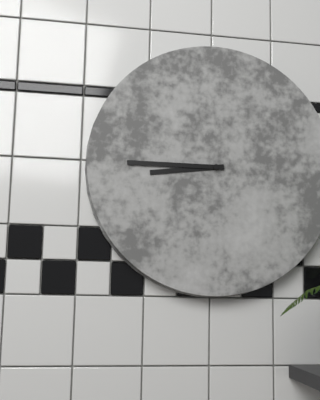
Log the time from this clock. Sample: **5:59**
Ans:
**8:45**
